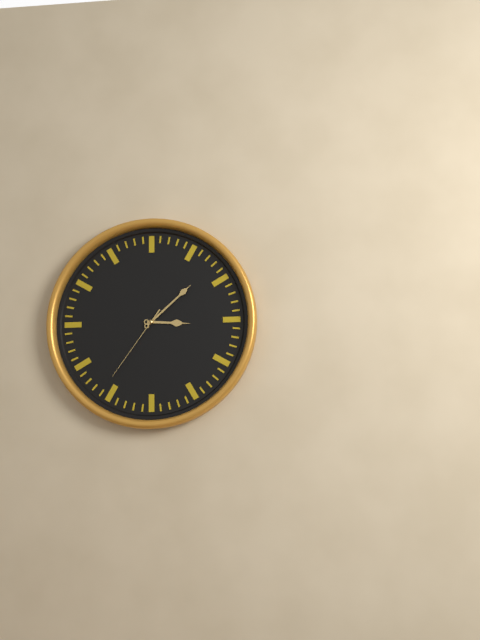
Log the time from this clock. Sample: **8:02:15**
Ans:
**3:08:36**
